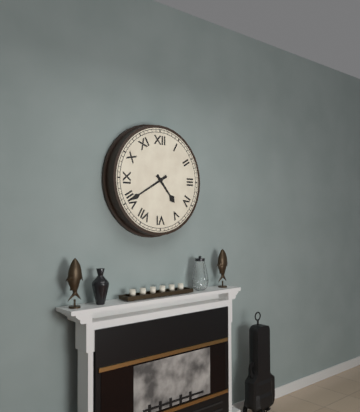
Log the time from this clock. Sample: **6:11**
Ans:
**4:40**
